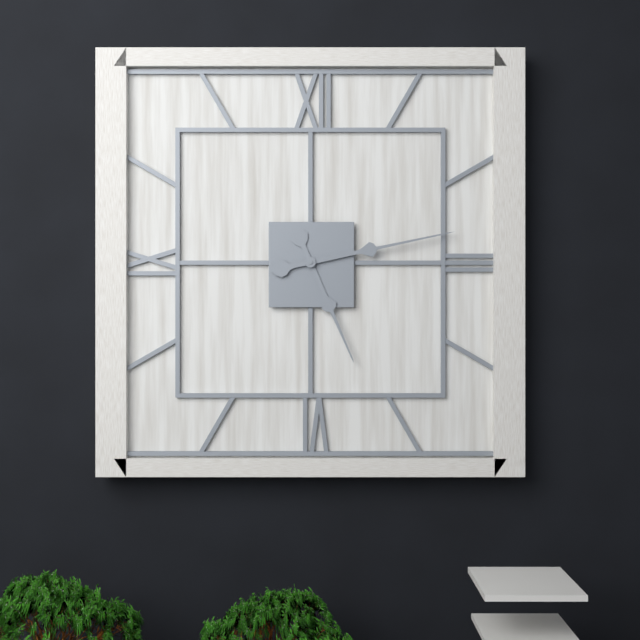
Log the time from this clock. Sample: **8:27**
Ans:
**5:13**
